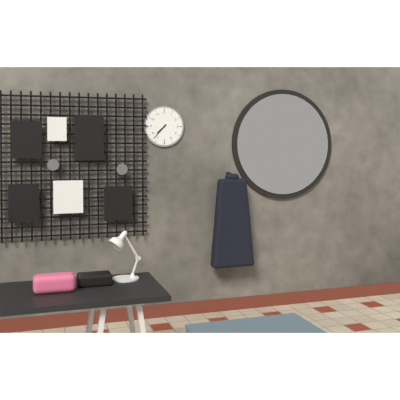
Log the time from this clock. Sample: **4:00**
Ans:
**7:37**
